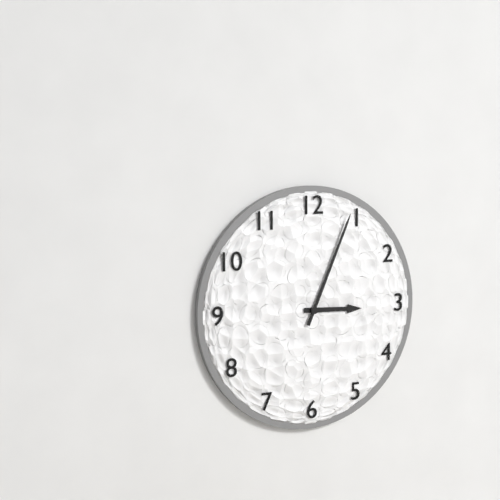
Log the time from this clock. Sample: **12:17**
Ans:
**3:04**
